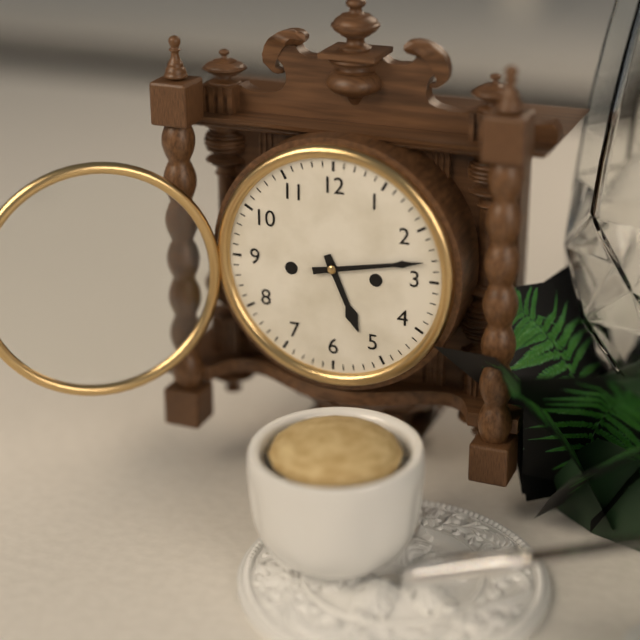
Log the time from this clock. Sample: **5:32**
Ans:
**5:13**
